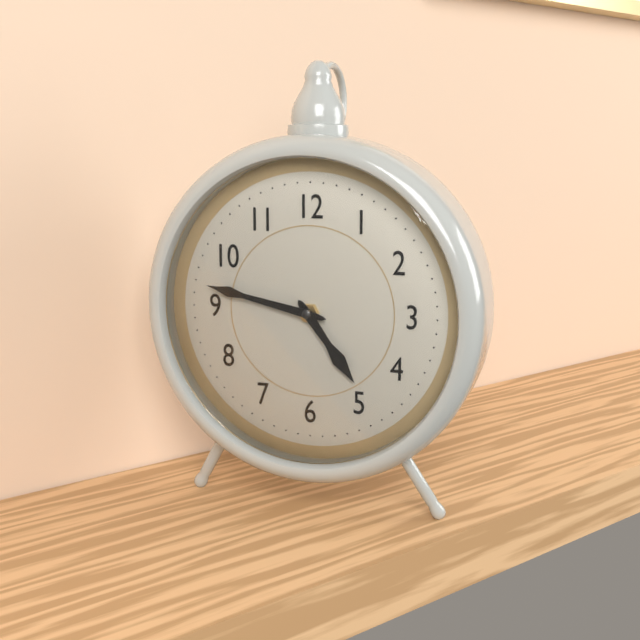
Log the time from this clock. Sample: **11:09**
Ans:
**4:47**
